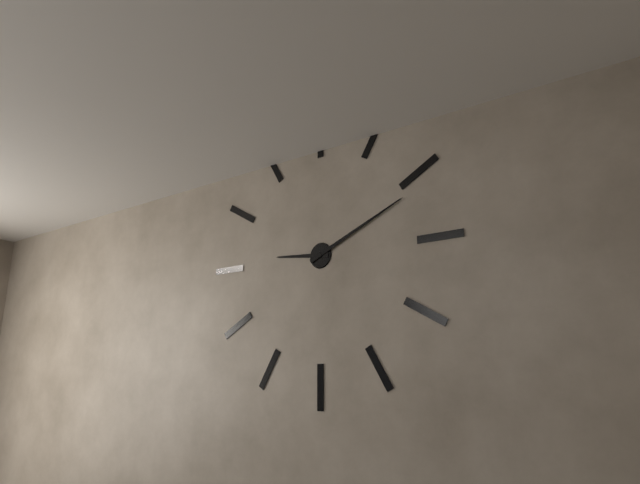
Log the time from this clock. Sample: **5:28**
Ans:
**9:11**
